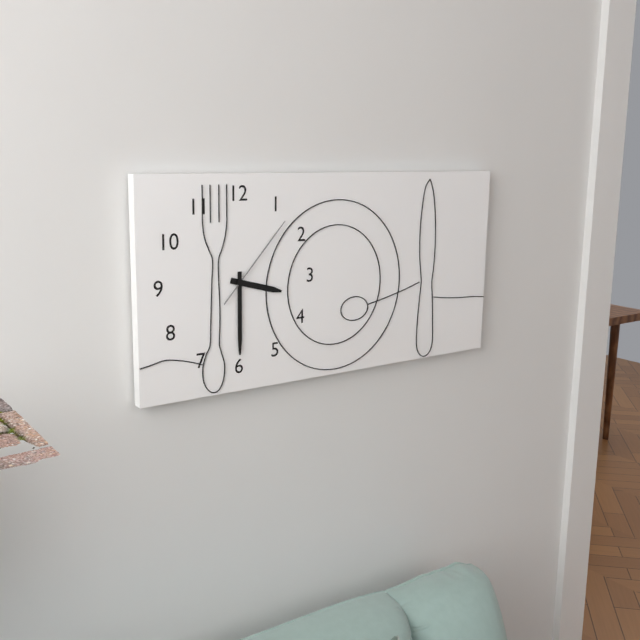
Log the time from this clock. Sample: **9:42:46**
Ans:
**3:30:07**
